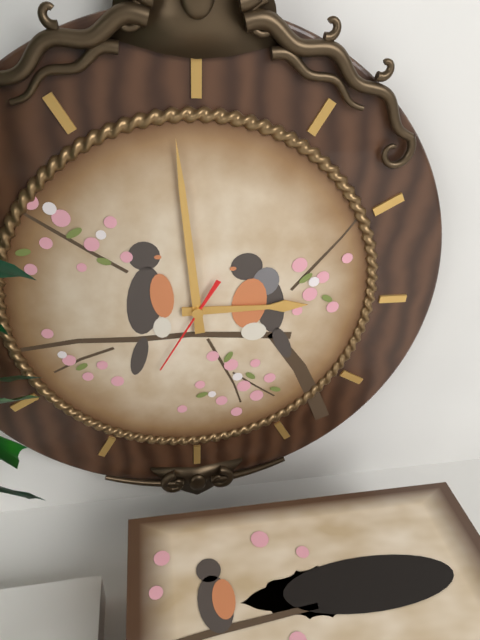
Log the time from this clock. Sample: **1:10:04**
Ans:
**2:59:35**
